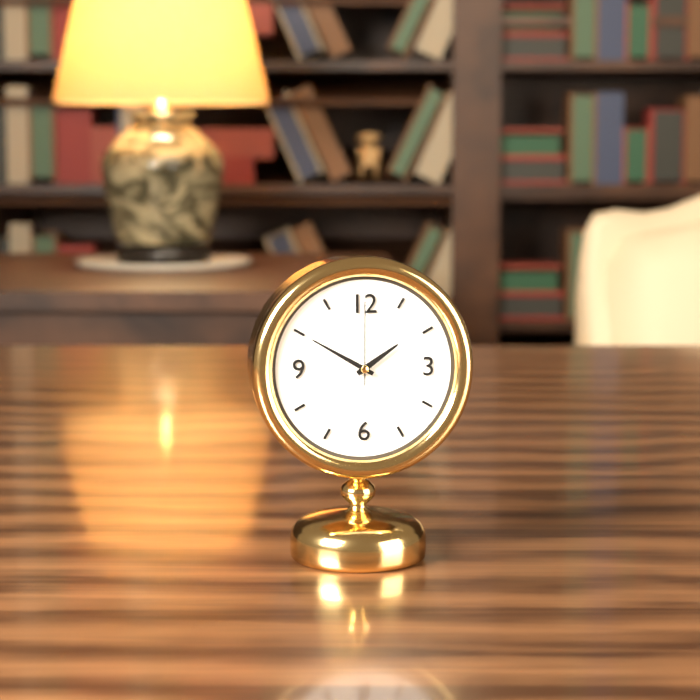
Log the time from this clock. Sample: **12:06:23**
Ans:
**1:50:00**
